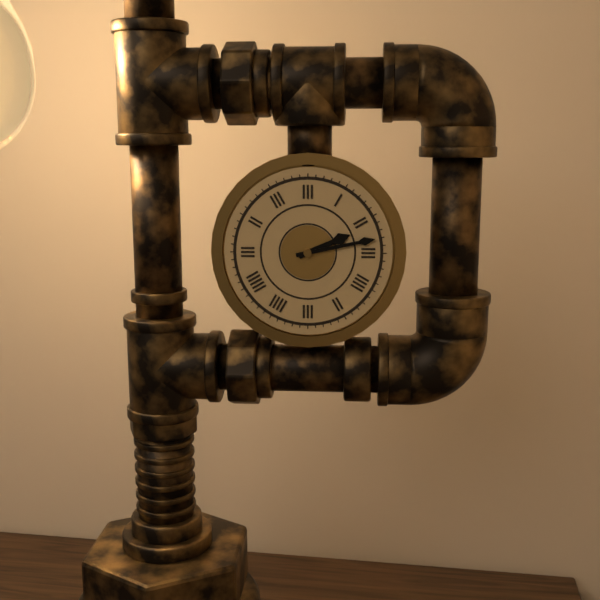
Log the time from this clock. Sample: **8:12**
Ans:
**2:13**
